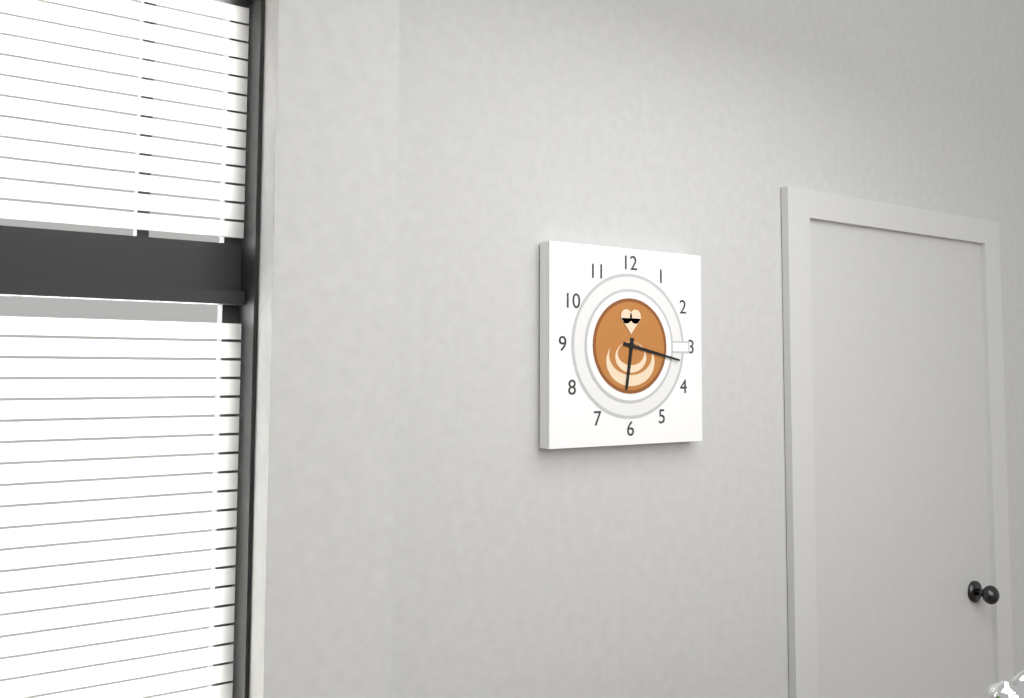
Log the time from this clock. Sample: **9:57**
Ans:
**6:17**
